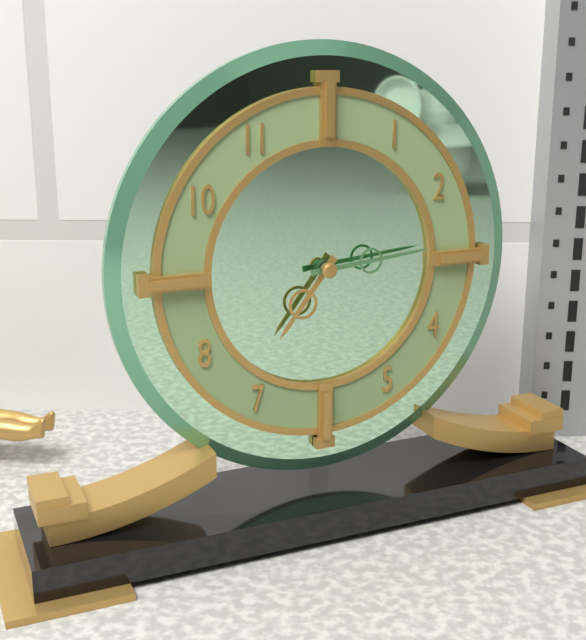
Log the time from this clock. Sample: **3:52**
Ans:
**7:14**
